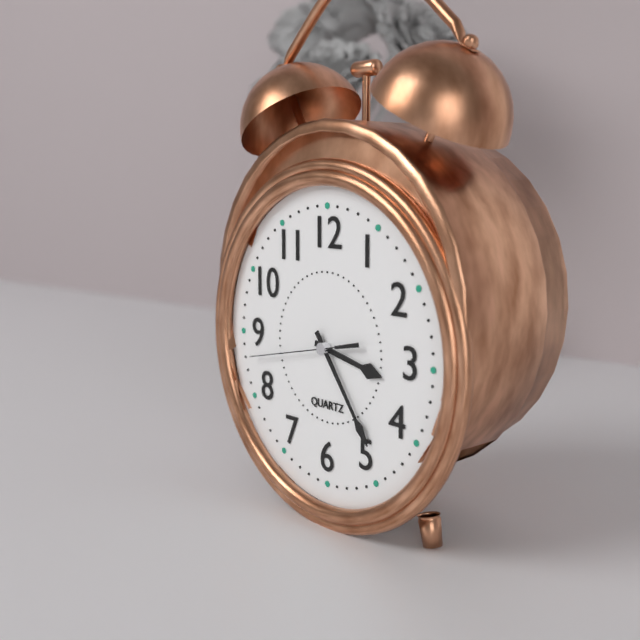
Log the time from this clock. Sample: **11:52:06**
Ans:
**3:24:43**
